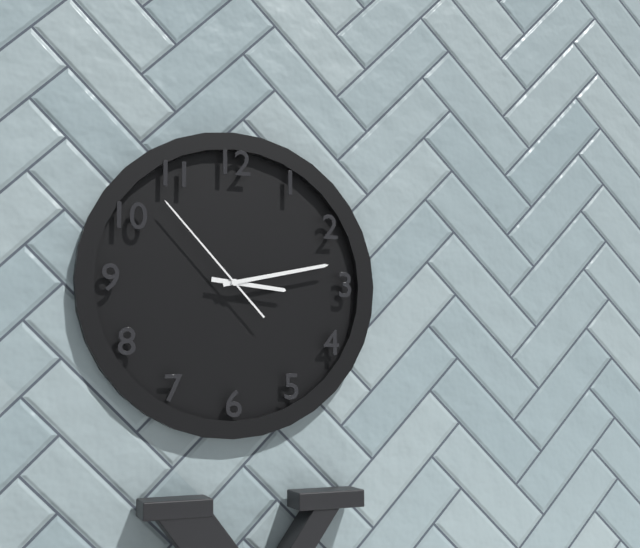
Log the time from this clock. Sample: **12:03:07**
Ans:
**3:13:53**
